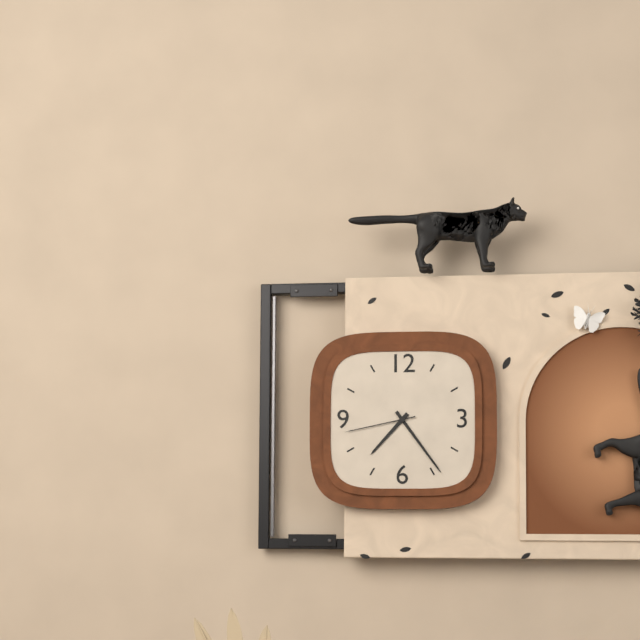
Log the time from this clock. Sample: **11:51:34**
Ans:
**7:24:43**
